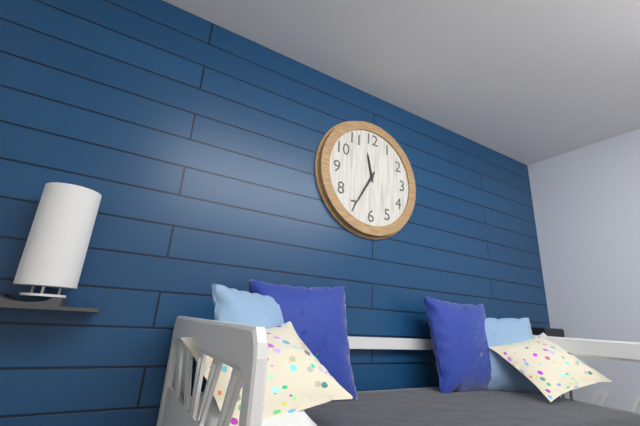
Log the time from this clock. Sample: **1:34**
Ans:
**11:35**
